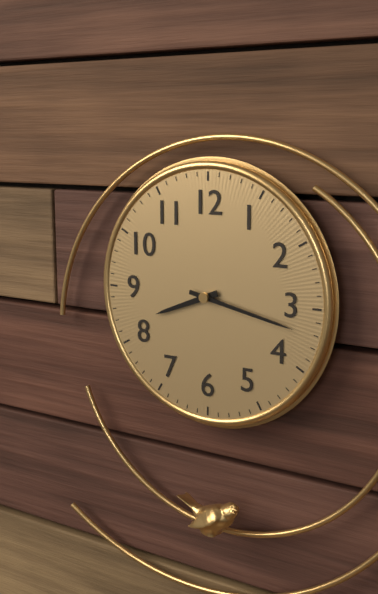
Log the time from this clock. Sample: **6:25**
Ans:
**8:17**
